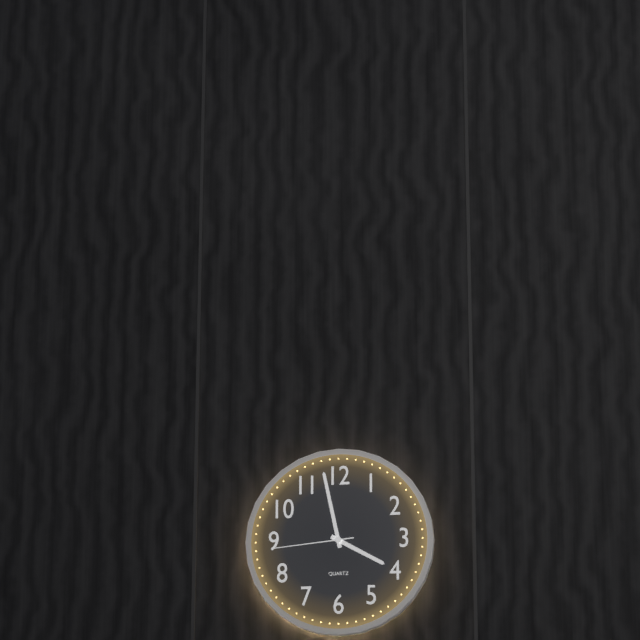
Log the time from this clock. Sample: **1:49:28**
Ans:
**3:58:44**
